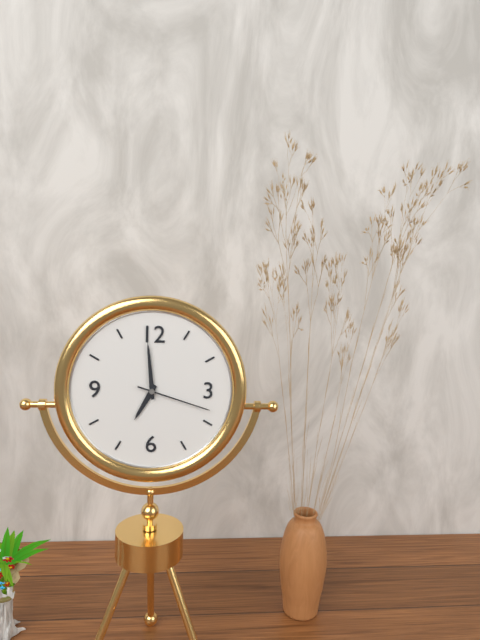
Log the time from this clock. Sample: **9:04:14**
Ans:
**6:59:18**
